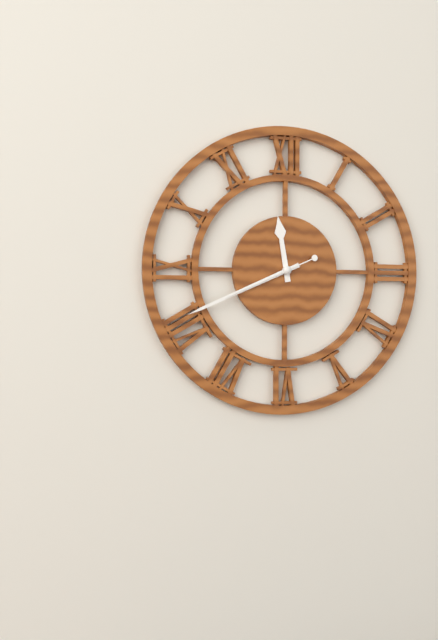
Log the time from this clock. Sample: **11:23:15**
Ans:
**11:41:41**
